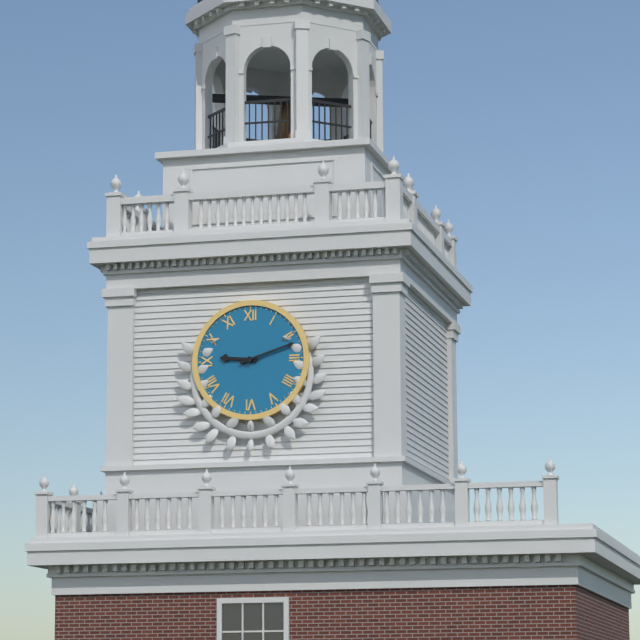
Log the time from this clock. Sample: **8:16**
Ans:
**9:12**
